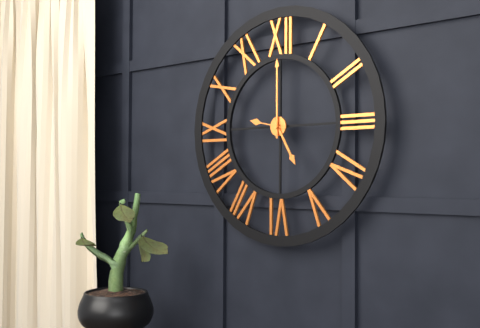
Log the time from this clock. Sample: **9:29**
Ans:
**5:00**
